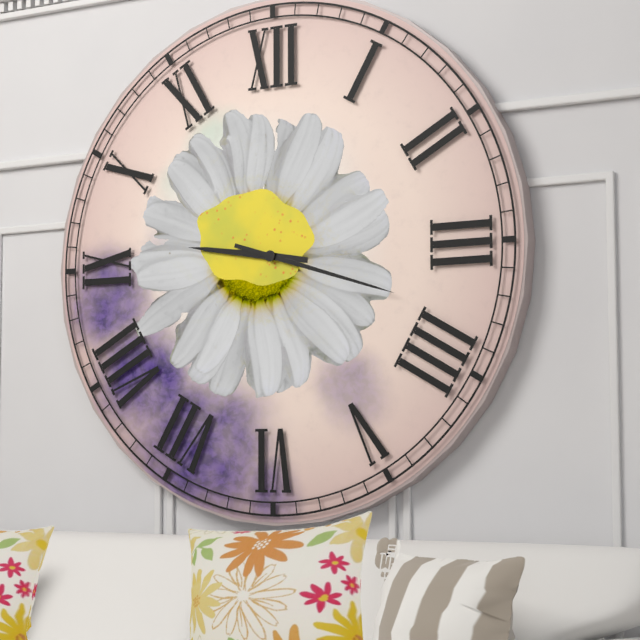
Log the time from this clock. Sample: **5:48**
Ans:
**9:18**
